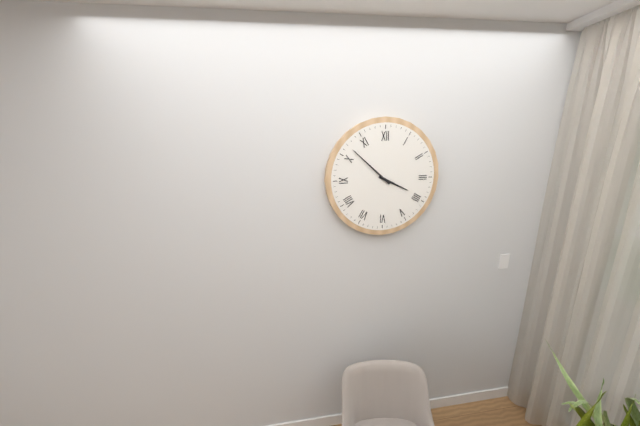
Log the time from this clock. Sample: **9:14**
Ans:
**3:52**
